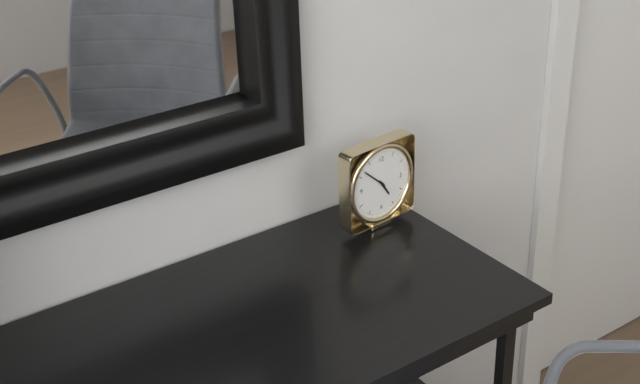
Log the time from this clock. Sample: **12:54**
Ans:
**4:52**
